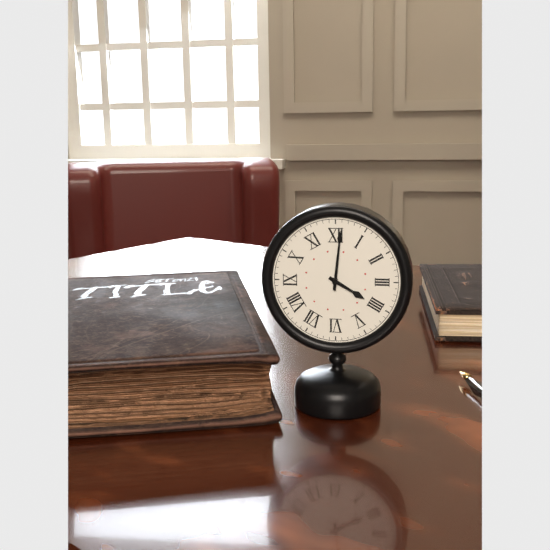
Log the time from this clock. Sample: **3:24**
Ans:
**4:01**
